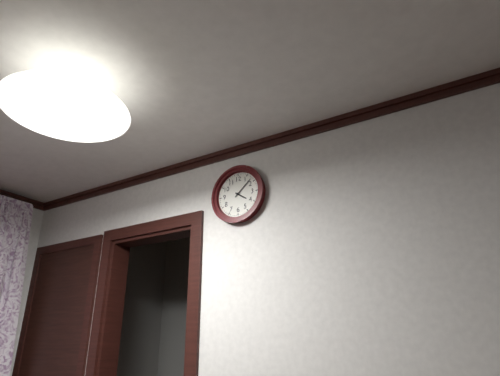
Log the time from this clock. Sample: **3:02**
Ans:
**4:08**
